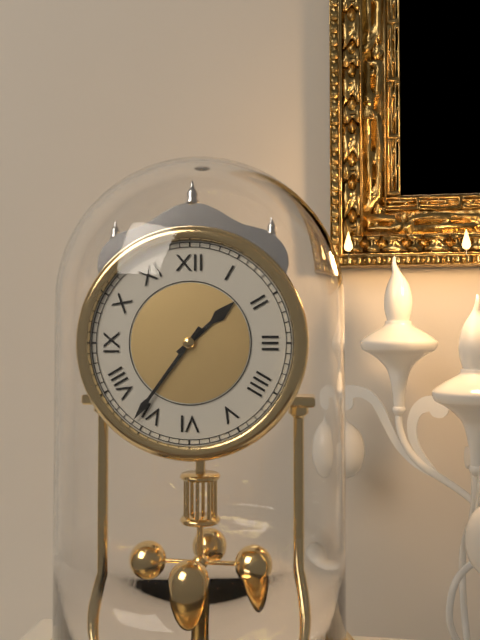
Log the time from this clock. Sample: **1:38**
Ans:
**1:36**
